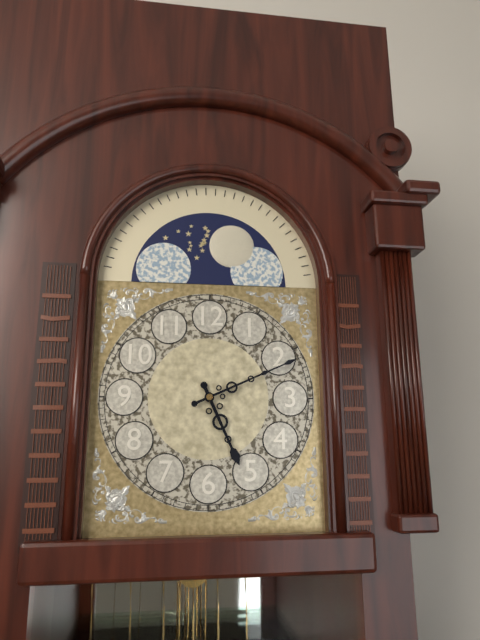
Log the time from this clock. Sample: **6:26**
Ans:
**5:11**
